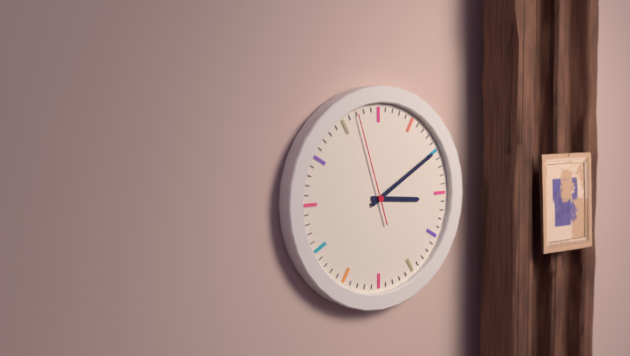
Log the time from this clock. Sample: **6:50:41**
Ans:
**3:10:57**
